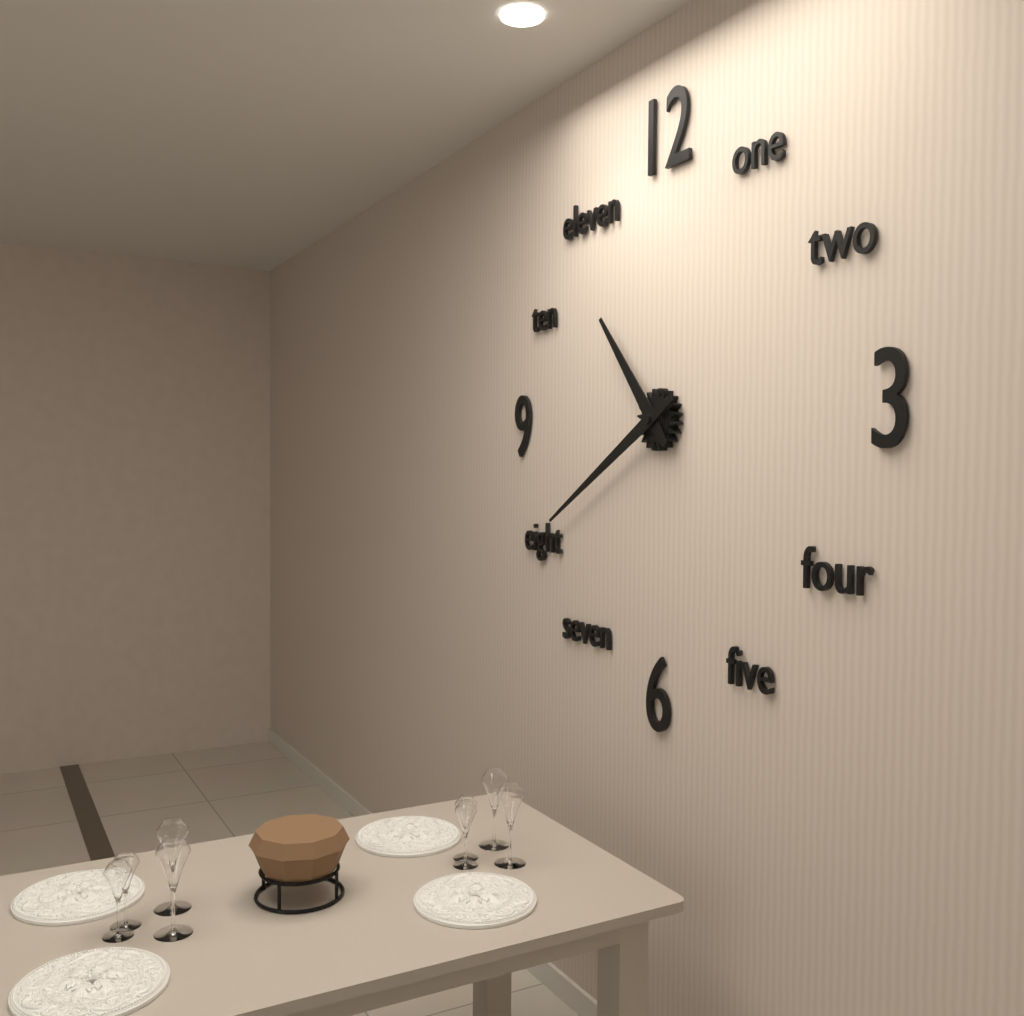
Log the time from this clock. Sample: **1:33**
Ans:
**10:40**
